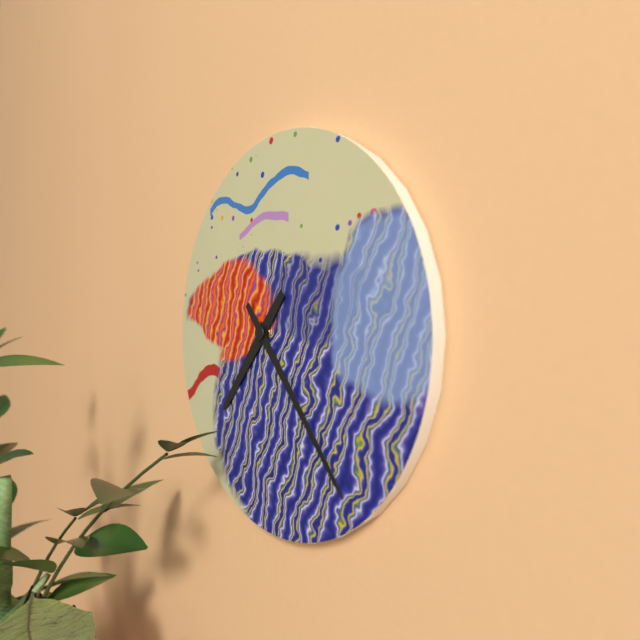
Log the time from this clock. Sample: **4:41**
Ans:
**7:23**
